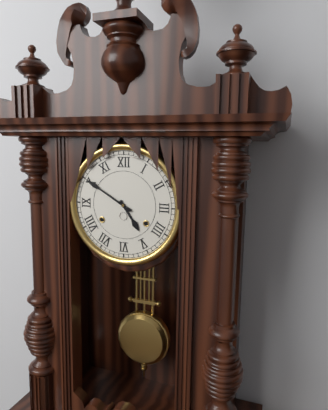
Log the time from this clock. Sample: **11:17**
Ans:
**4:50**
